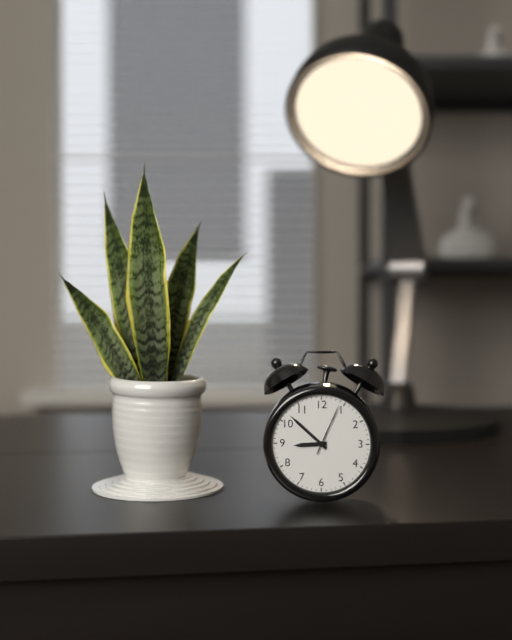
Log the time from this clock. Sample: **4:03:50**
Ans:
**8:52:04**
